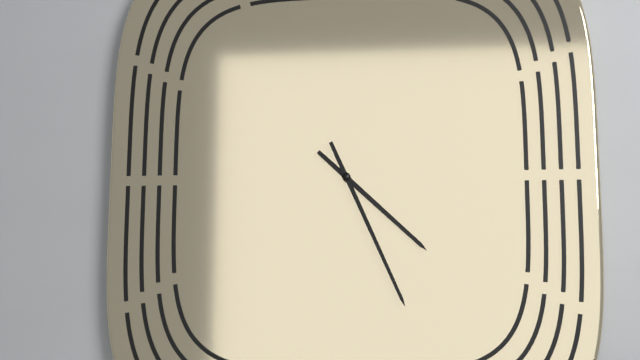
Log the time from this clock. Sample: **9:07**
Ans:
**4:26**
